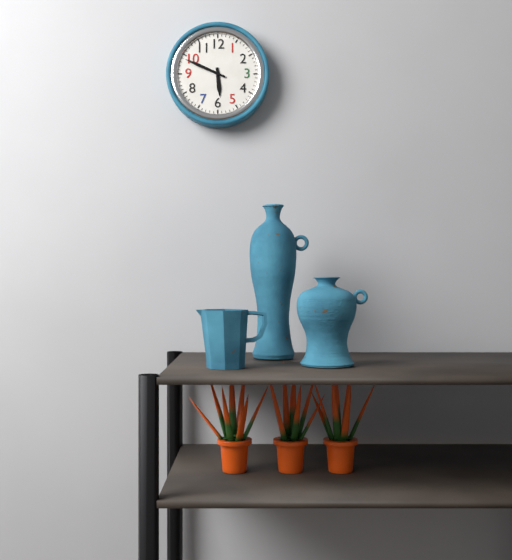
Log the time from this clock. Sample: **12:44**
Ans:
**5:49**
